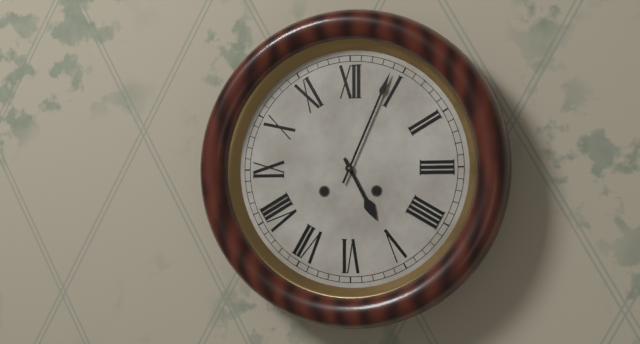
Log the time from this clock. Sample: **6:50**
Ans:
**5:04**
